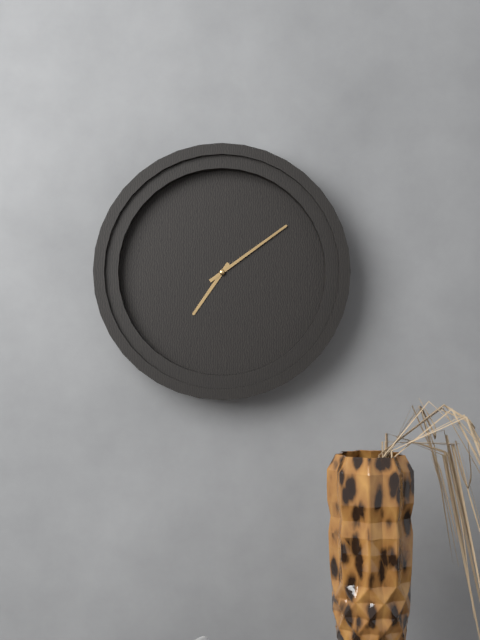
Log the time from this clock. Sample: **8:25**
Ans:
**7:09**
